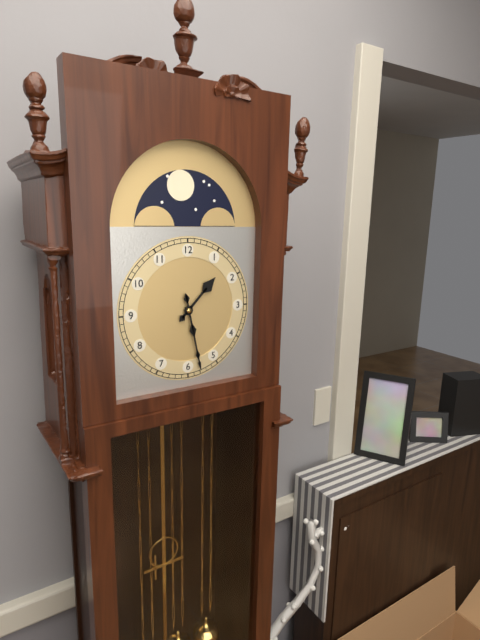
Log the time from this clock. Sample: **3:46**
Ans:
**1:28**
